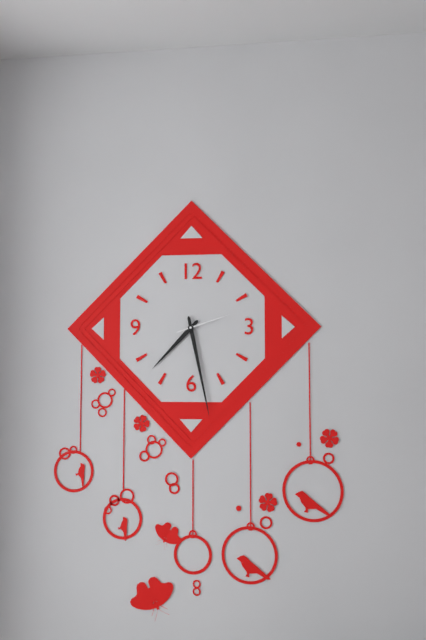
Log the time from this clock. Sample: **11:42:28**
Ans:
**7:28:12**
